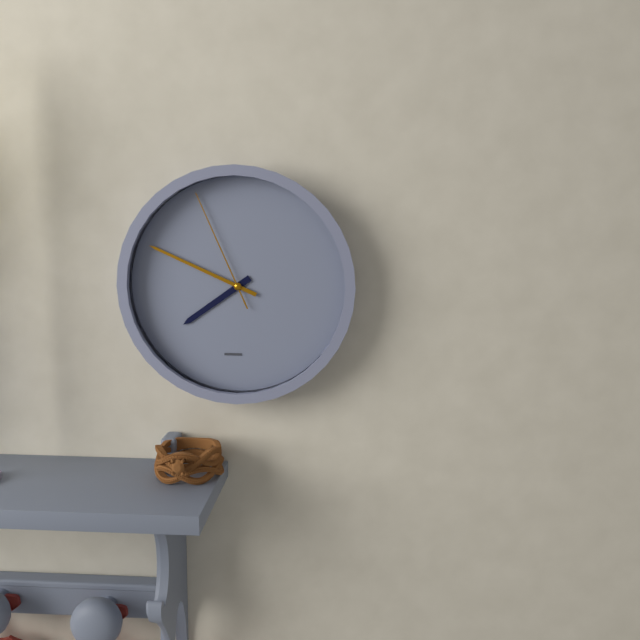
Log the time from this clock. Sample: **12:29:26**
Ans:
**7:49:56**
